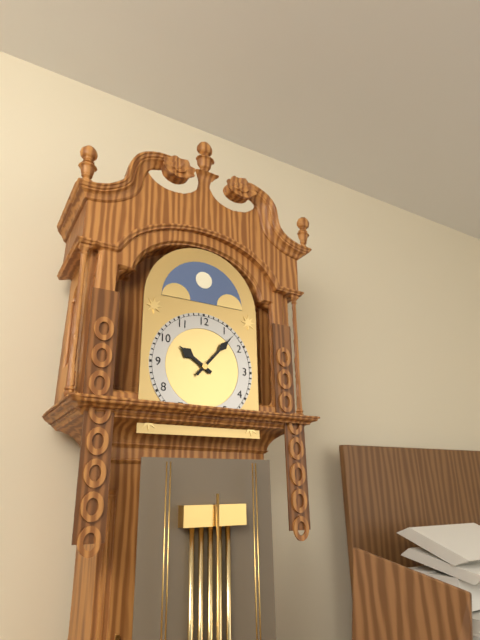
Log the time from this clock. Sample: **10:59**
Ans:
**10:07**
